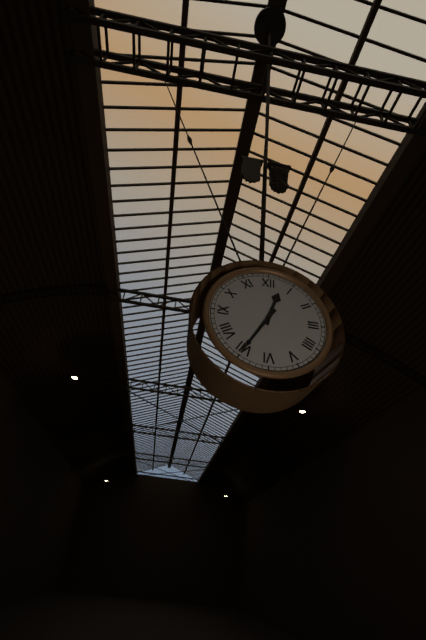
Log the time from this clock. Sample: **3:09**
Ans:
**12:35**
